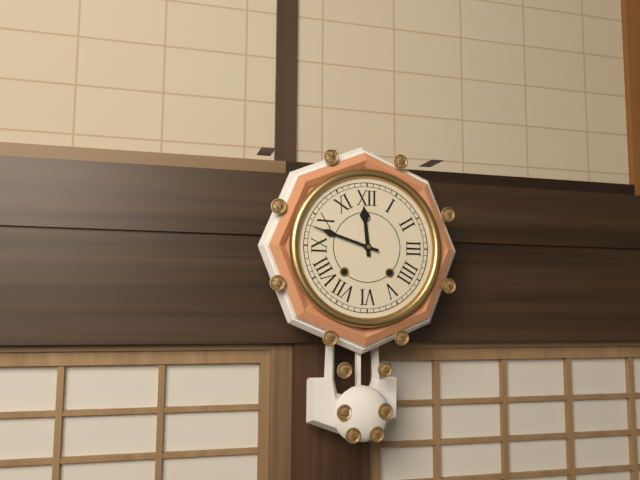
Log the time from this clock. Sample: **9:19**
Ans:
**11:48**
